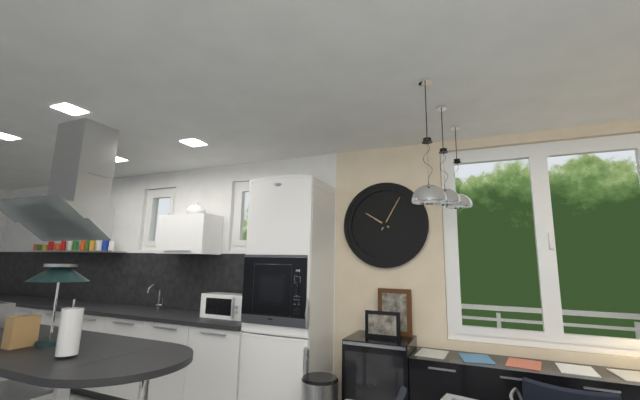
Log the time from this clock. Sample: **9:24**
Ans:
**10:05**
